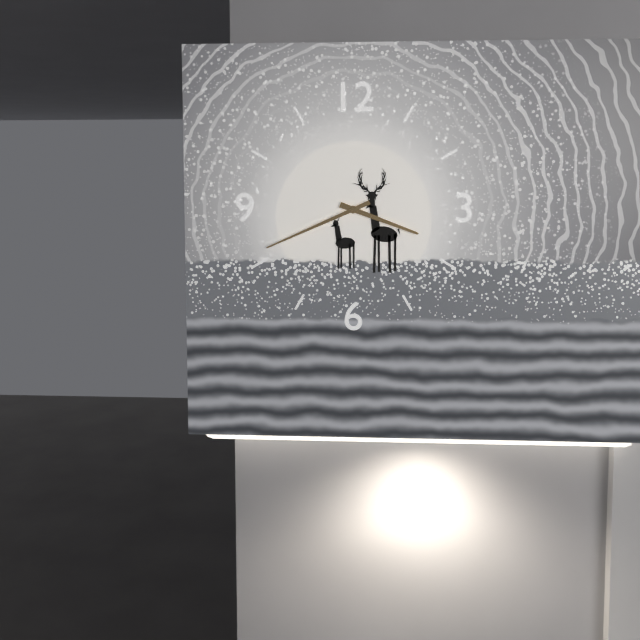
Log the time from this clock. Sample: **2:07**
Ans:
**3:41**
